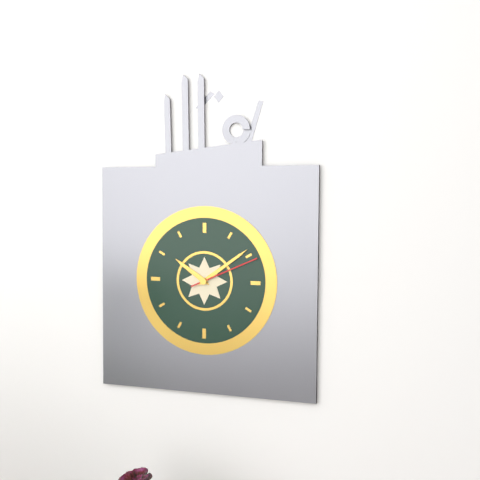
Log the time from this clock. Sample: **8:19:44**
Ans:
**10:09:11**
